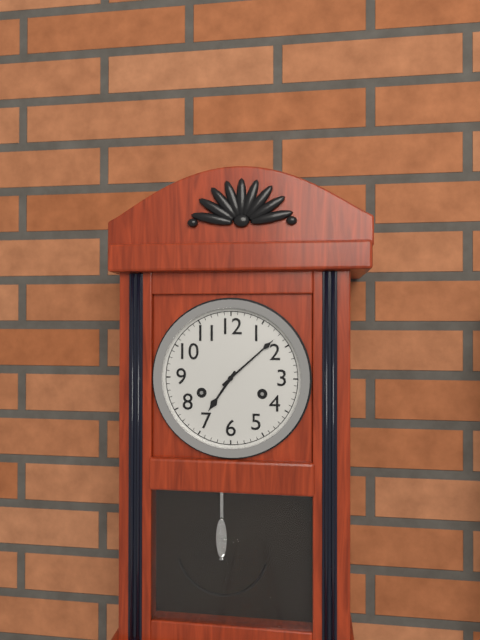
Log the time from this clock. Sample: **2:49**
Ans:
**7:08**
